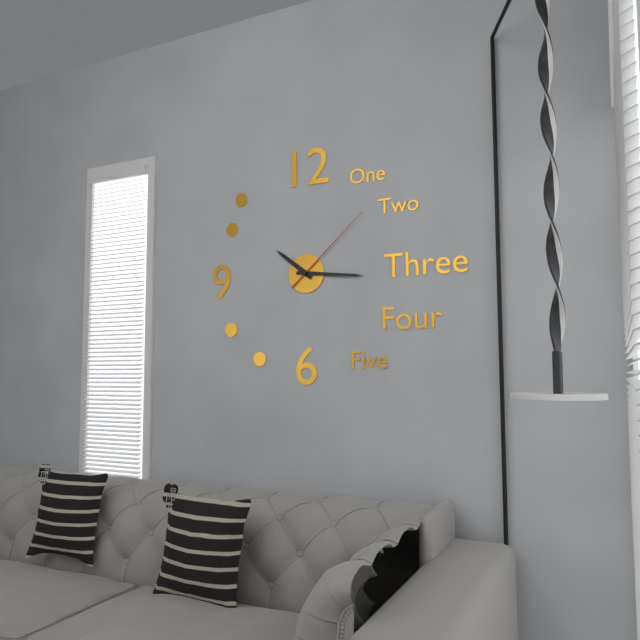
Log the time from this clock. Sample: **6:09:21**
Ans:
**10:16:08**
